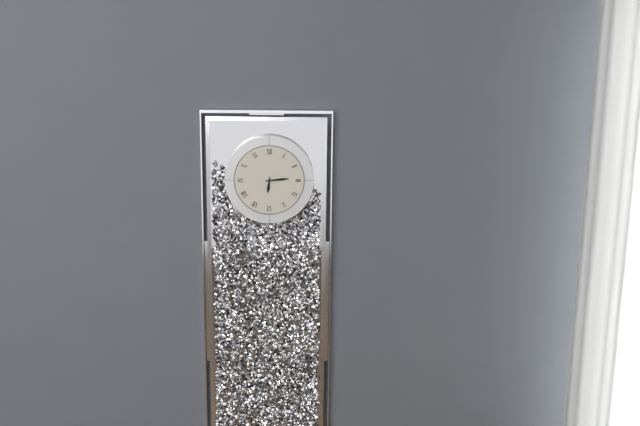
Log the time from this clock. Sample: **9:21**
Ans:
**6:14**
